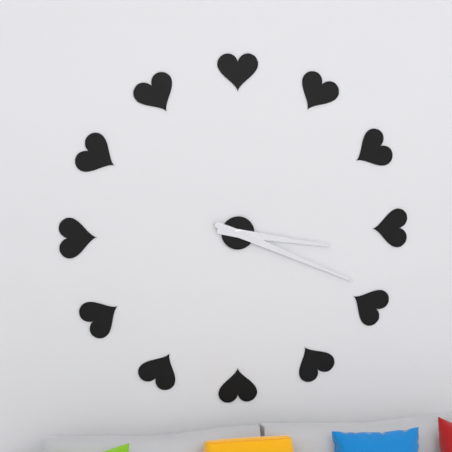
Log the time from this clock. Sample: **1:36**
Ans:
**3:19**
